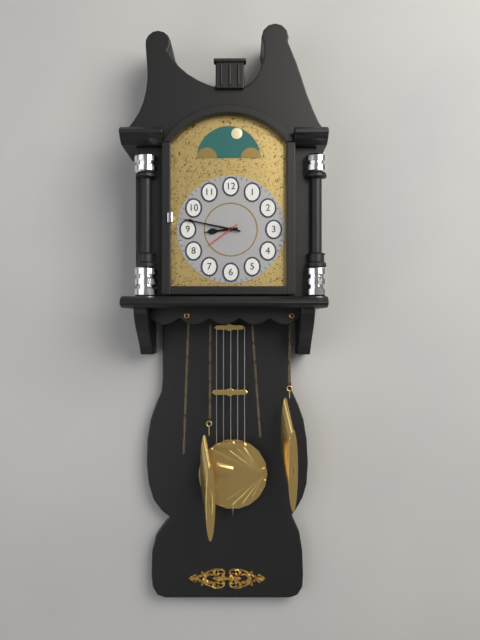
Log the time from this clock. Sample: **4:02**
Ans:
**8:47**
